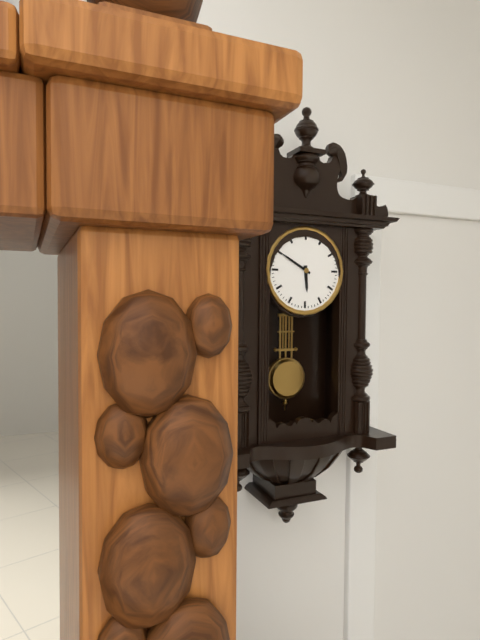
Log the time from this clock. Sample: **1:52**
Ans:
**5:50**
